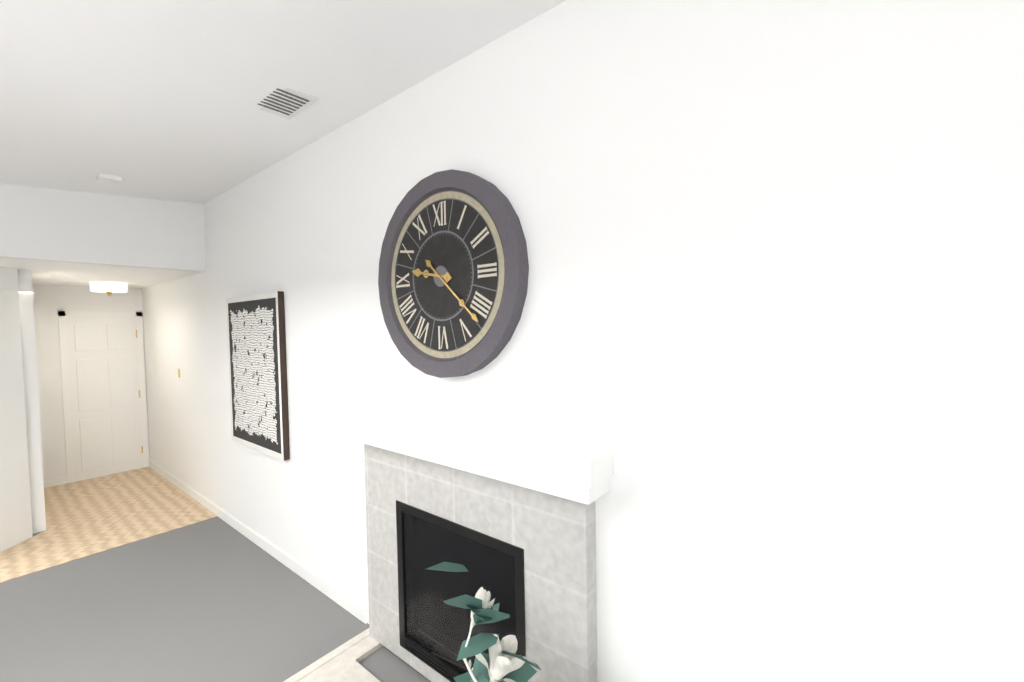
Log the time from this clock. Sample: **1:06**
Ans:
**9:22**
